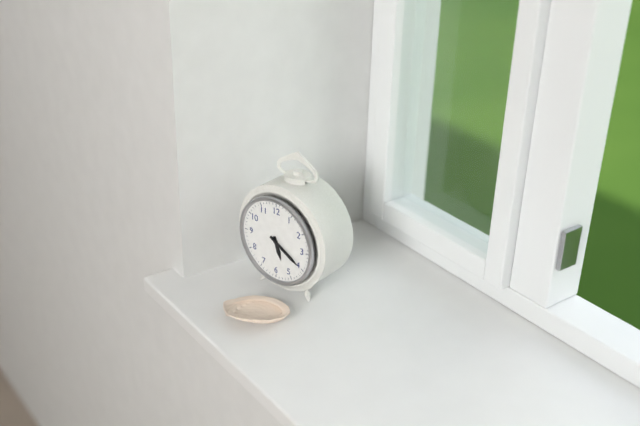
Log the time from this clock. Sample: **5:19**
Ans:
**5:20**
